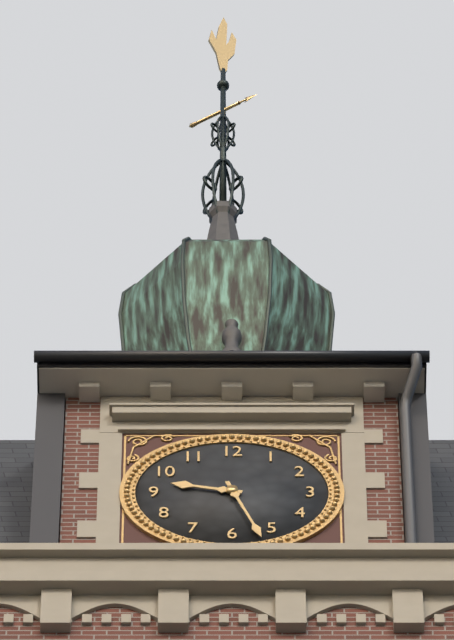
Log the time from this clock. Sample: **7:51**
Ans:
**9:27**
